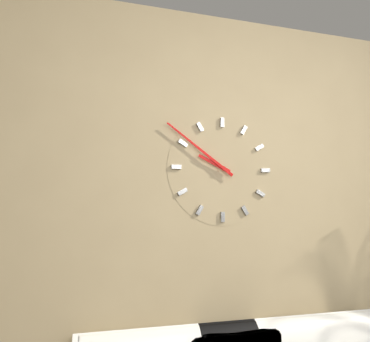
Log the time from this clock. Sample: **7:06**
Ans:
**9:51**
